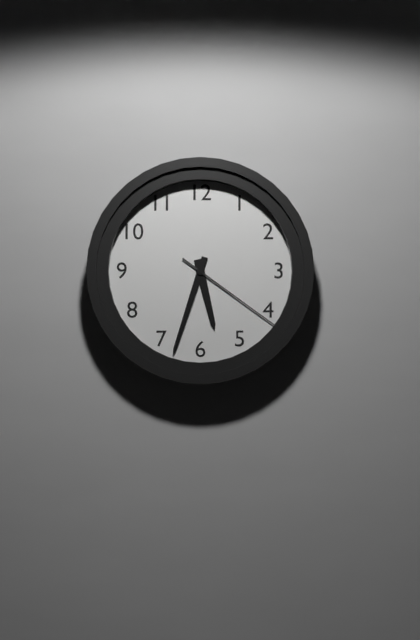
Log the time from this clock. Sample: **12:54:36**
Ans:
**5:33:21**
